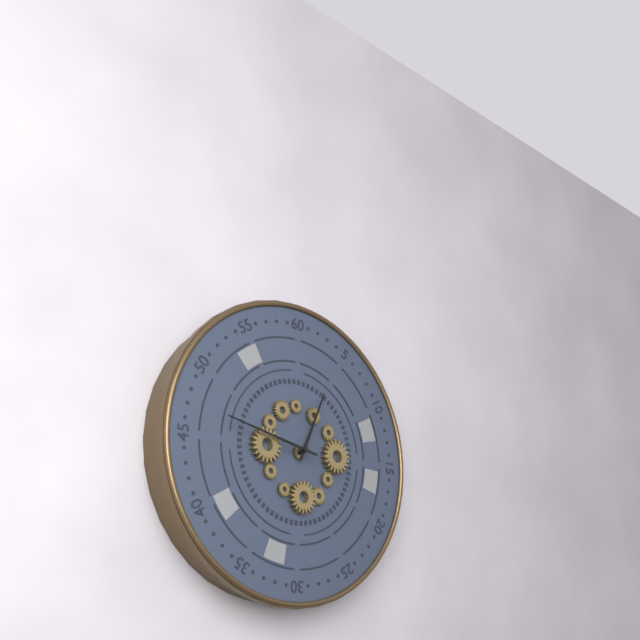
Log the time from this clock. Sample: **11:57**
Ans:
**12:47**
